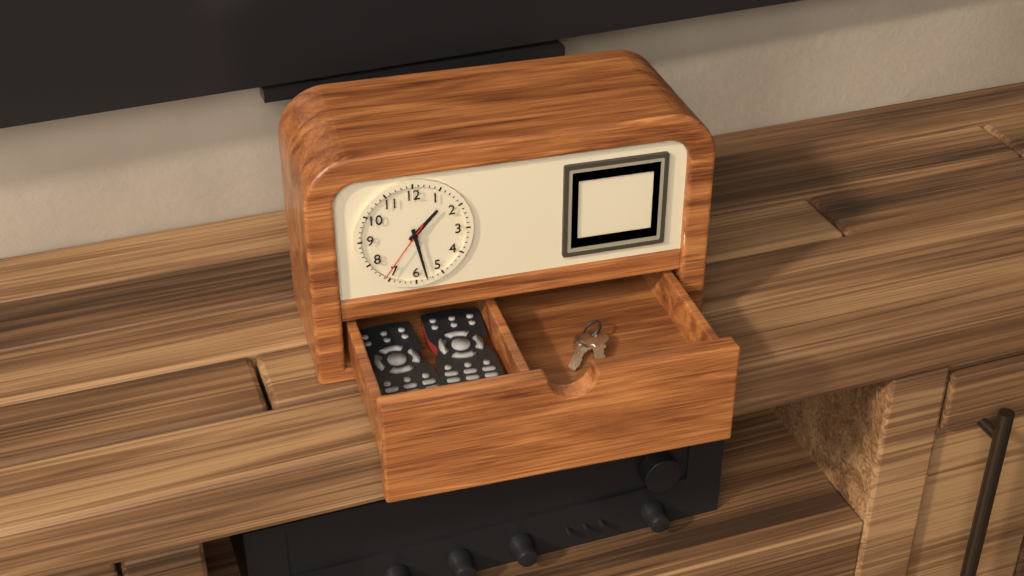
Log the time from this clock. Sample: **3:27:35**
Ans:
**1:28:36**
